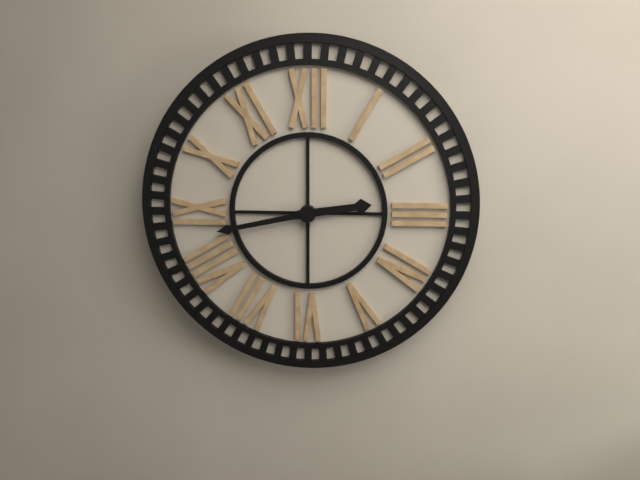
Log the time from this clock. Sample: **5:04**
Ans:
**2:43**
